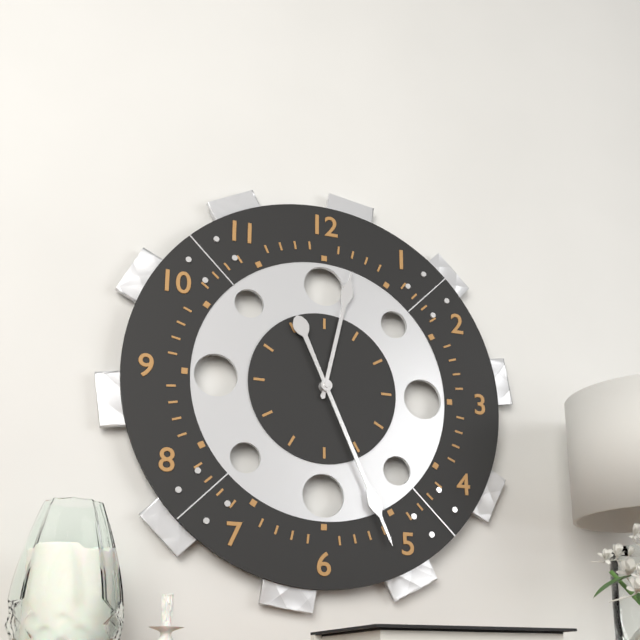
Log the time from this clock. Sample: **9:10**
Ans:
**12:26**
